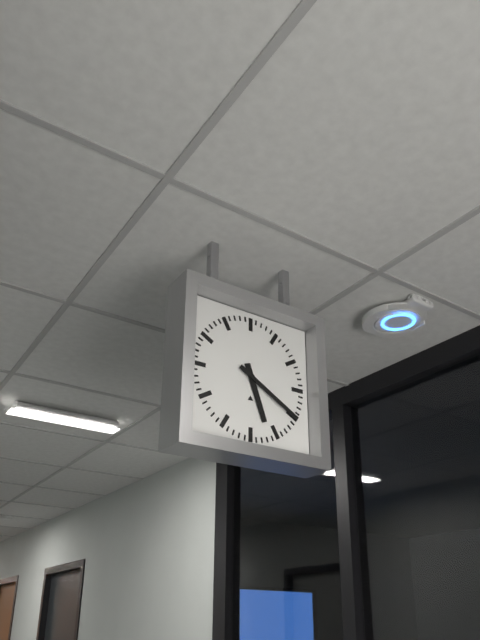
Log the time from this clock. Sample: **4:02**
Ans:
**5:20**
